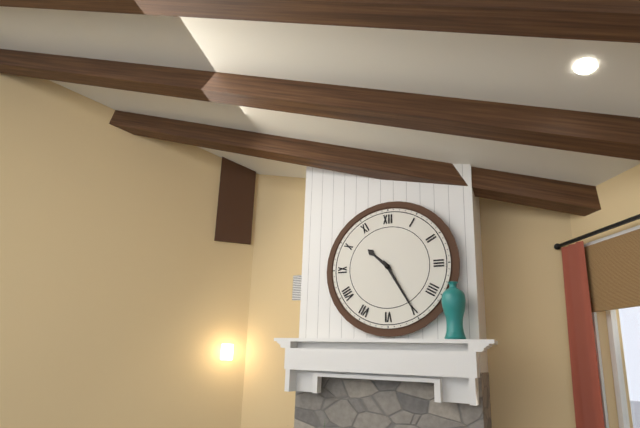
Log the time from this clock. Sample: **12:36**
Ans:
**10:25**
